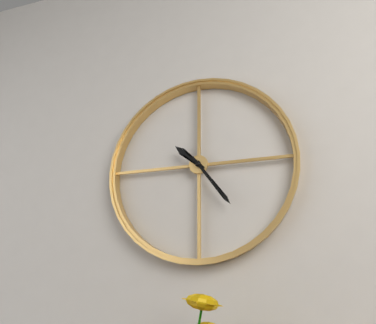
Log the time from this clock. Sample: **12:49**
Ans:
**10:24**
